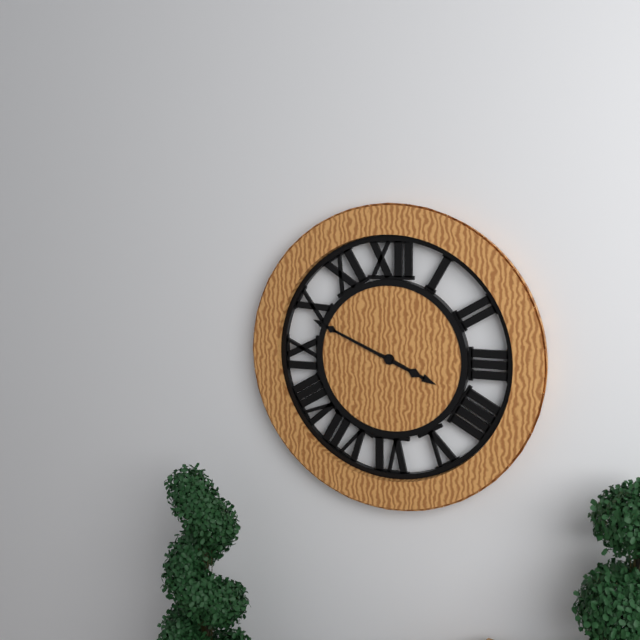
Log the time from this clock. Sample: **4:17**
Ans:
**3:49**
